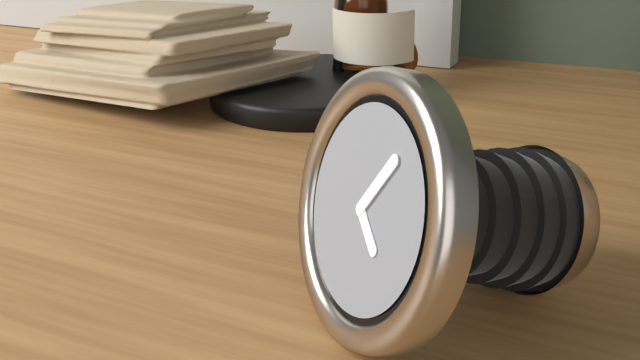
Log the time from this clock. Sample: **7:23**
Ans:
**4:05**
